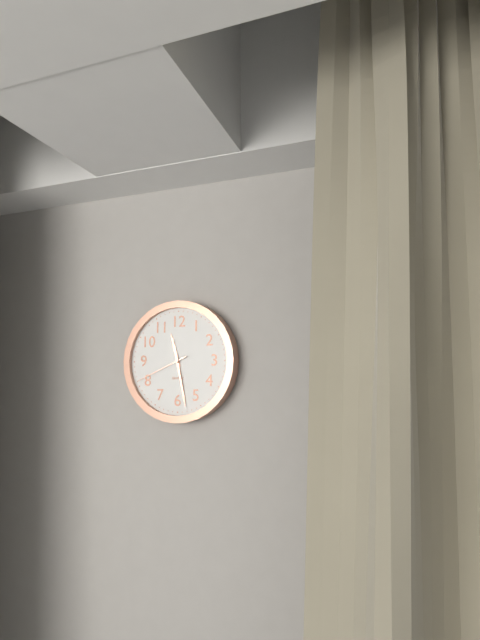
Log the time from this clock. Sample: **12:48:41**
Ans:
**11:28:41**
